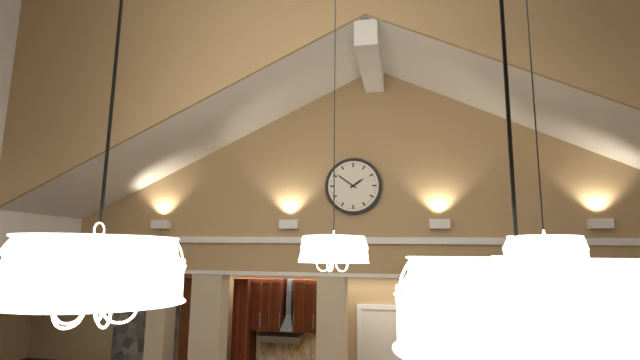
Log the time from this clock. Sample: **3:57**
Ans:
**1:51**
